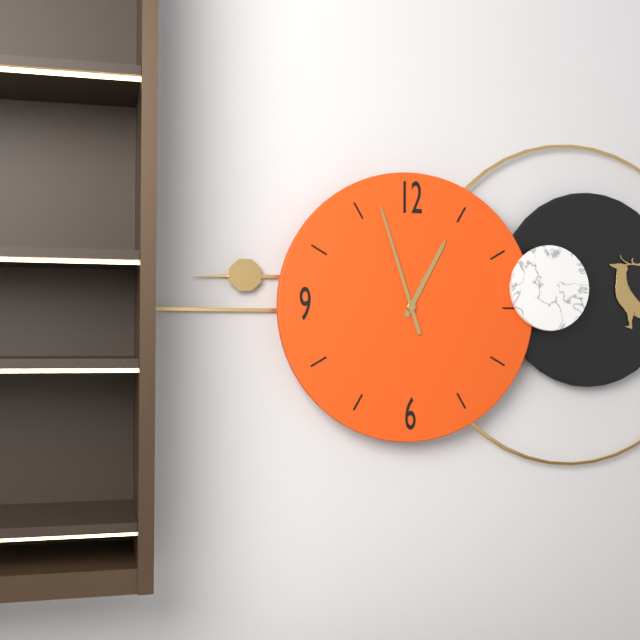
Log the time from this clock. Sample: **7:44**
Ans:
**12:57**
